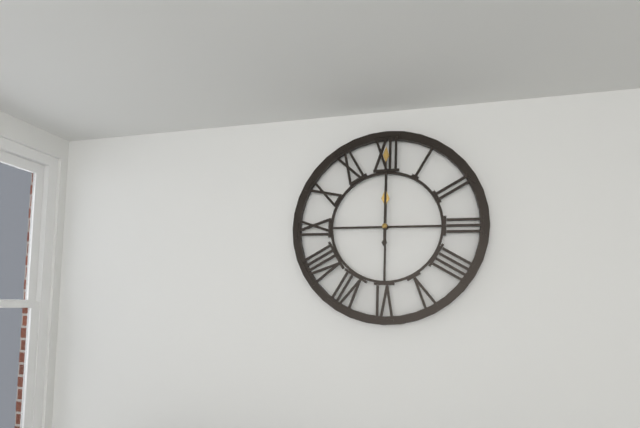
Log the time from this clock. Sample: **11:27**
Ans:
**12:00**
